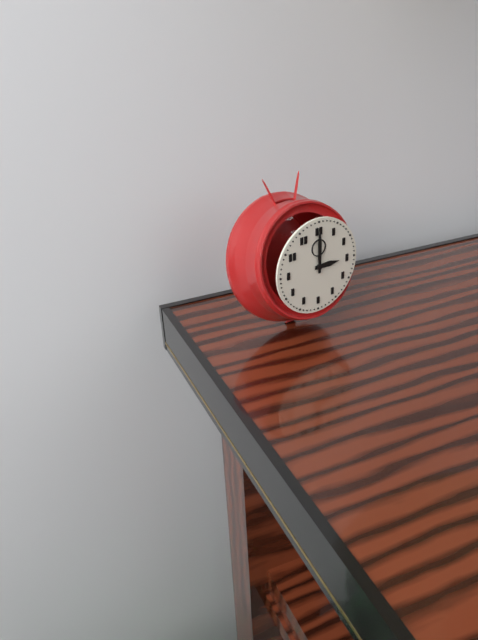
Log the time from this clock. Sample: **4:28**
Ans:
**3:00**
